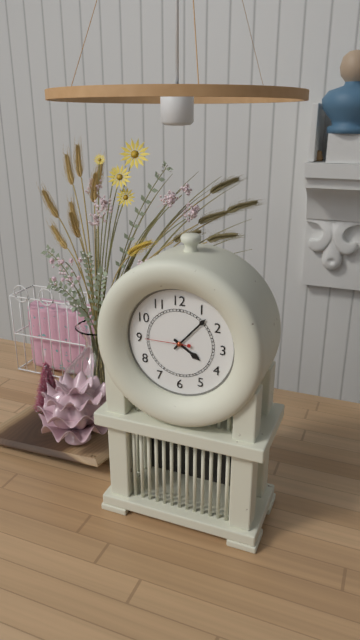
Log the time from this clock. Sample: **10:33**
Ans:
**4:07**
